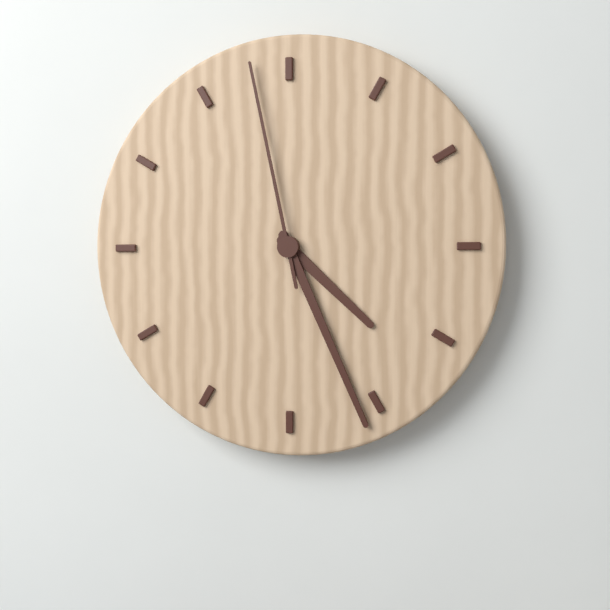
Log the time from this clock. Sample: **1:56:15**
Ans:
**4:26:58**
